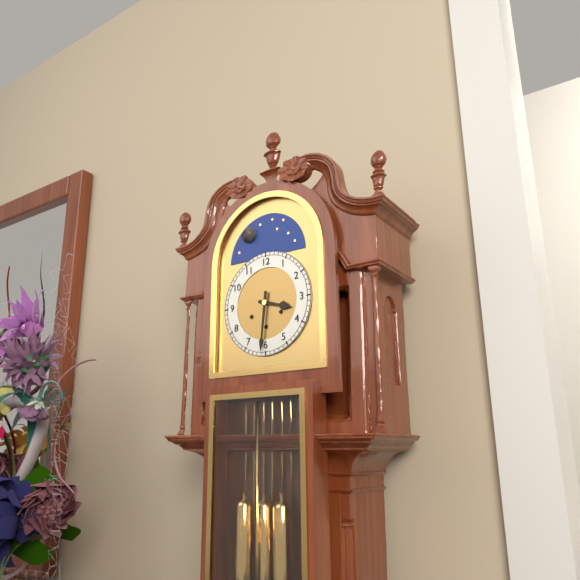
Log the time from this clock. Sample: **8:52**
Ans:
**3:31**
